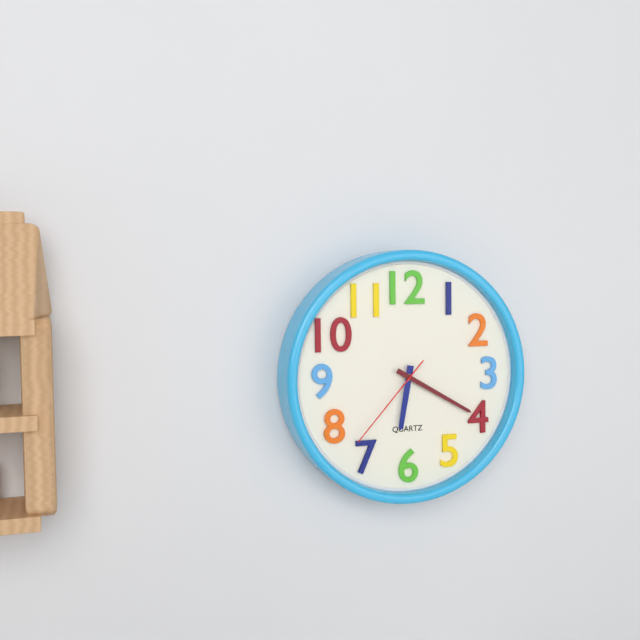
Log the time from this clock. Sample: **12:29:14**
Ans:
**6:20:37**
